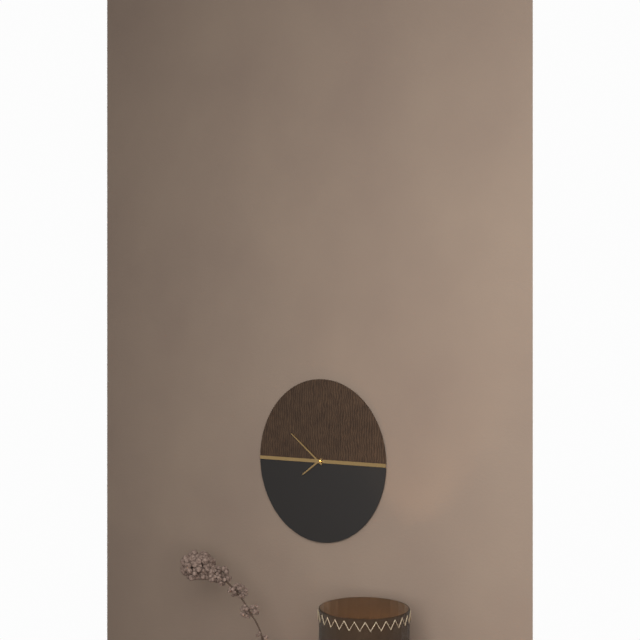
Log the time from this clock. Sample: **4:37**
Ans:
**7:51**
